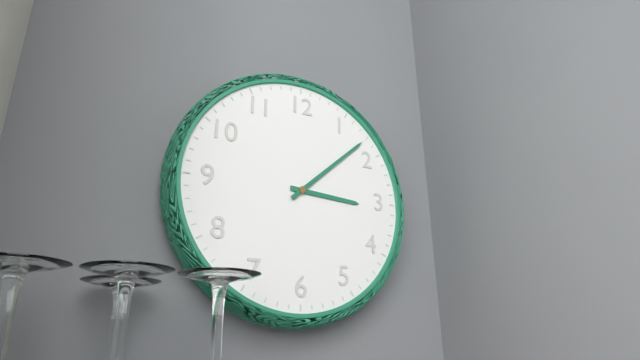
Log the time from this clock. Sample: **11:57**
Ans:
**3:08**
